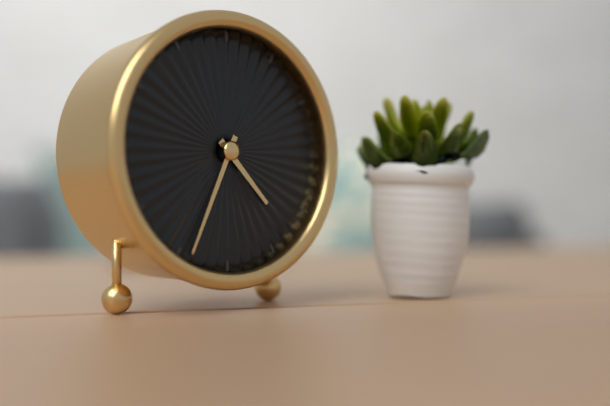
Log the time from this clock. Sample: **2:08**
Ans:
**4:34**
